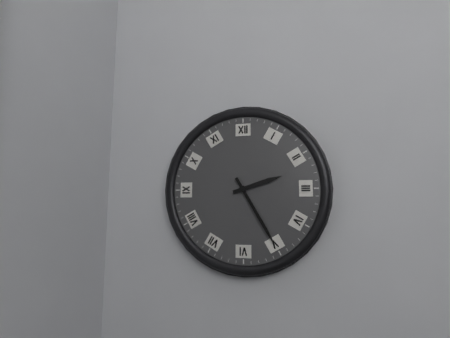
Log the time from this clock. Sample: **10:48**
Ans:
**2:25**
